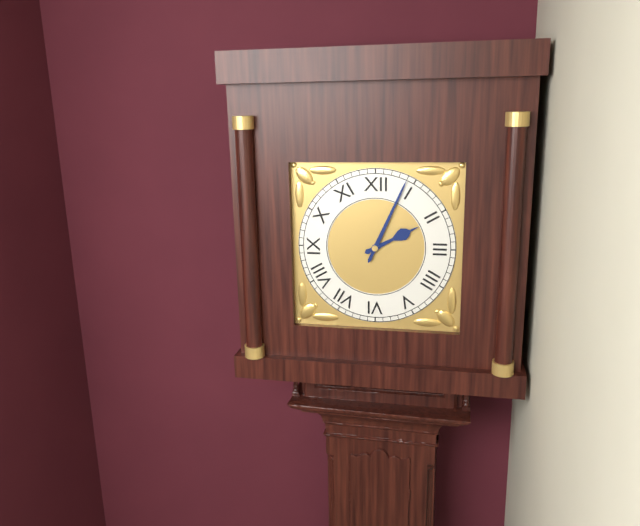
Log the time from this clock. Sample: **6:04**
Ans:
**2:04**
